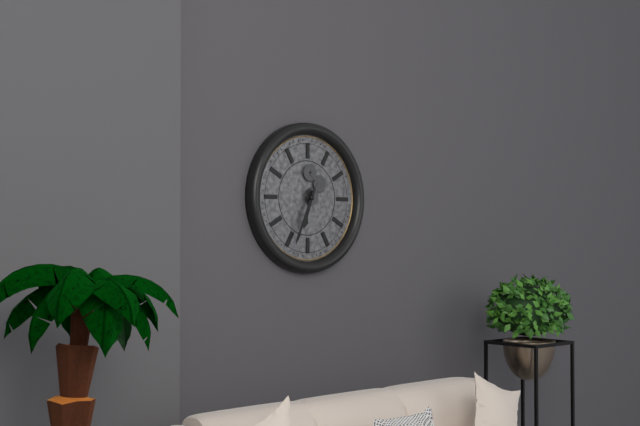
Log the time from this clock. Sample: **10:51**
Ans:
**6:34**
